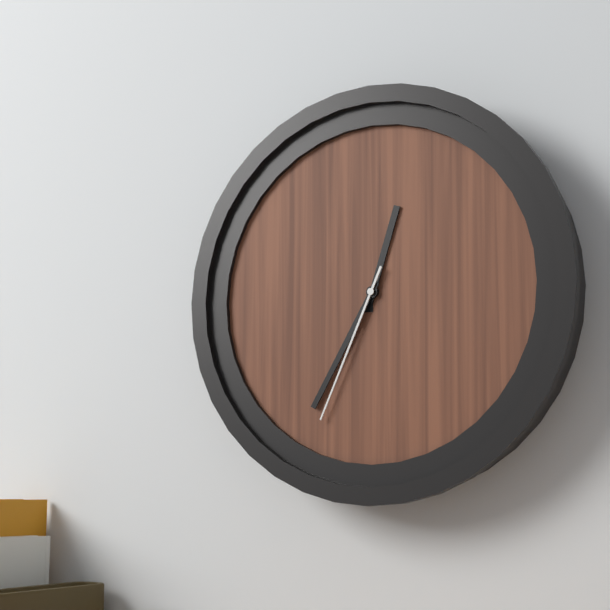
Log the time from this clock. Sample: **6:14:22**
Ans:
**12:35:34**
